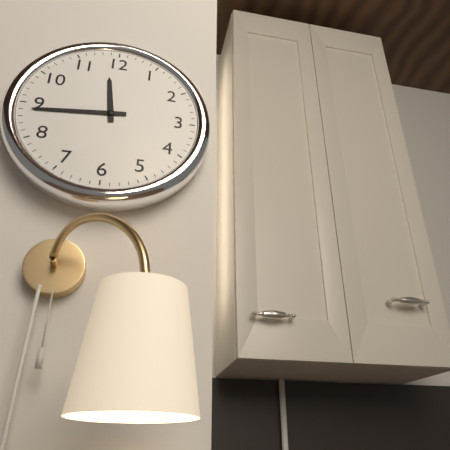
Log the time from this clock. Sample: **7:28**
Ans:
**11:44**
